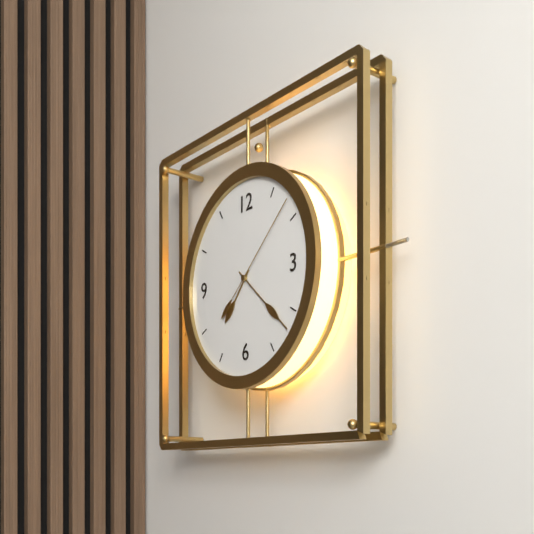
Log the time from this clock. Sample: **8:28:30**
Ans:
**7:22:08**
